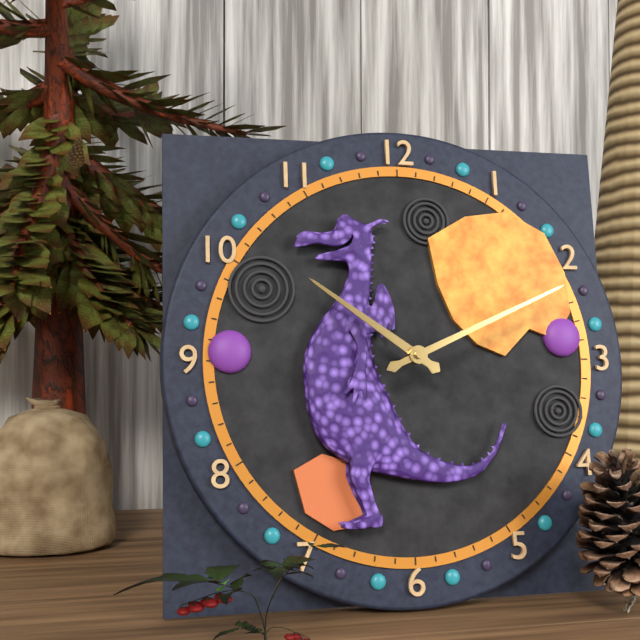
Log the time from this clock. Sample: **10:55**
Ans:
**10:11**
